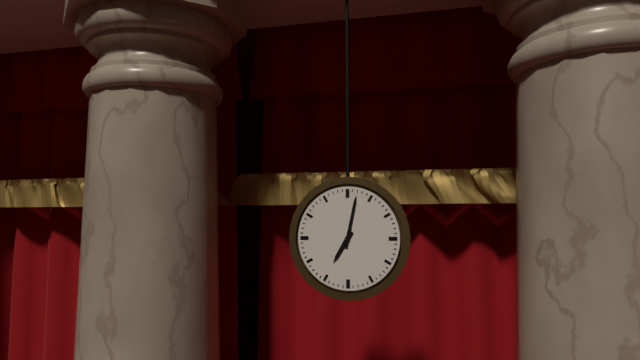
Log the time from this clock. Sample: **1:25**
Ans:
**7:02**
